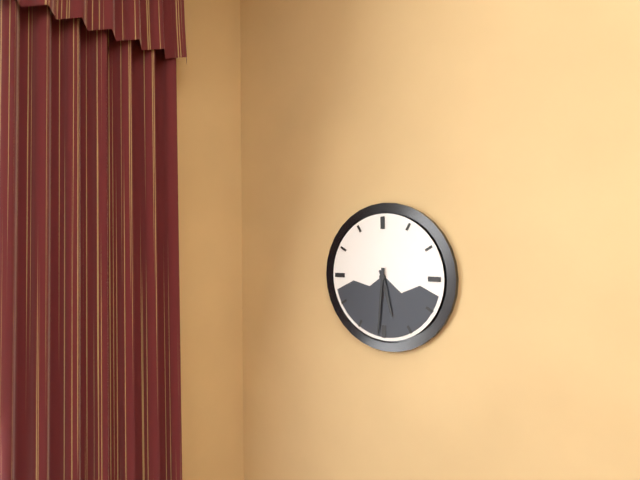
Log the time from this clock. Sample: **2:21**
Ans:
**5:31**
